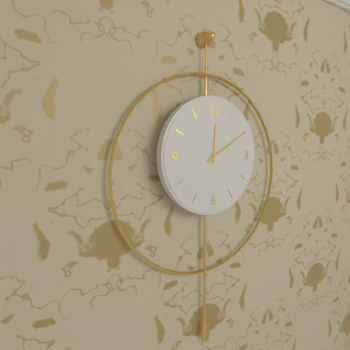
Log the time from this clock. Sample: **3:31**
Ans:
**12:10**
